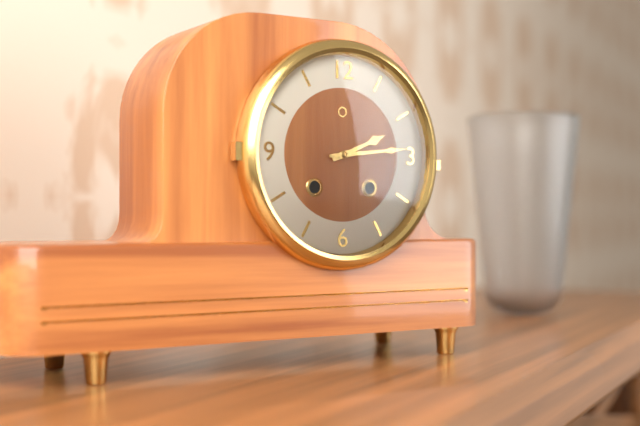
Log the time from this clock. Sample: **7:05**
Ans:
**2:14**
